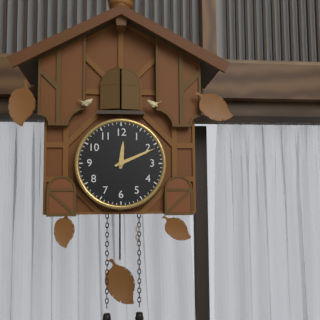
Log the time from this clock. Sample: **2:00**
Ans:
**12:11**
